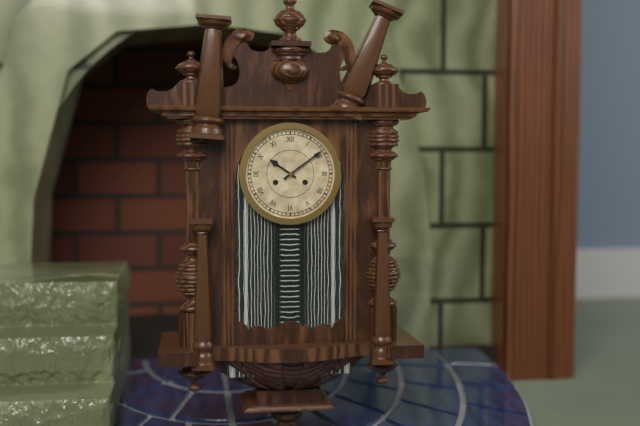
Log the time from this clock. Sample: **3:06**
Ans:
**10:09**
